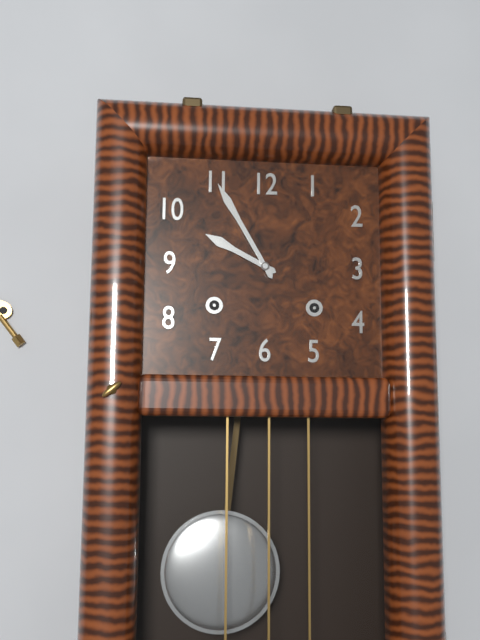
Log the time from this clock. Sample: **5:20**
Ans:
**9:55**
